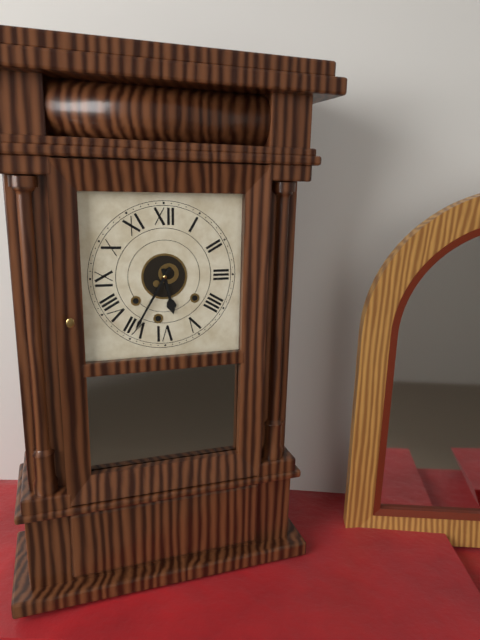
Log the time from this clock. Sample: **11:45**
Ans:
**5:35**
